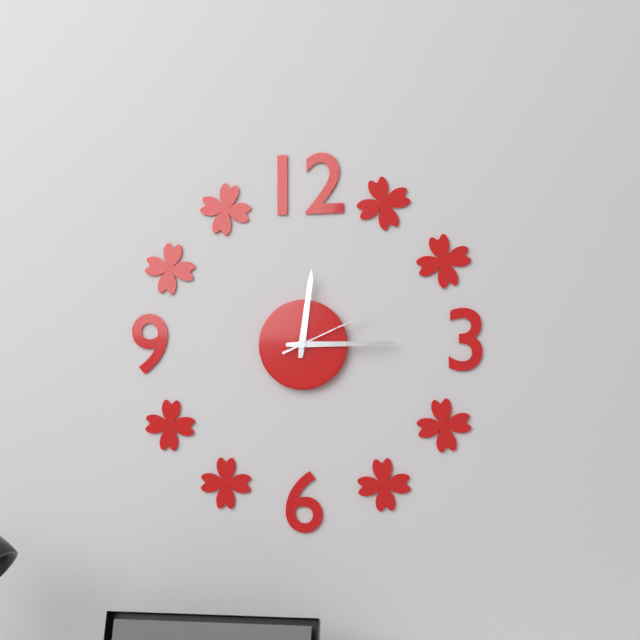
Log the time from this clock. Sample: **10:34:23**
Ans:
**12:15:11**
